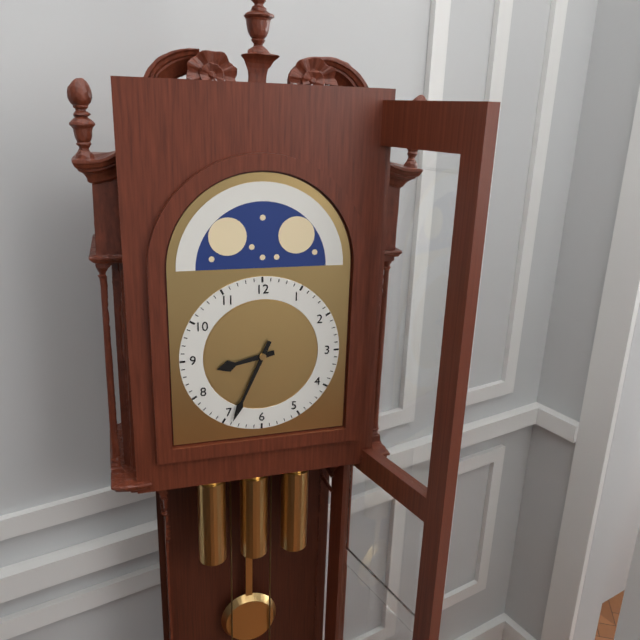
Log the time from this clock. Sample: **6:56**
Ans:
**8:34**
